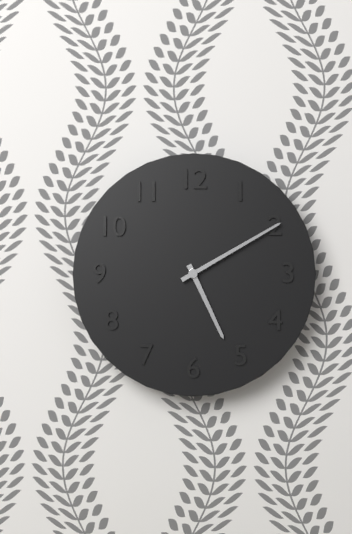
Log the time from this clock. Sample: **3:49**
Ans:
**5:10**
